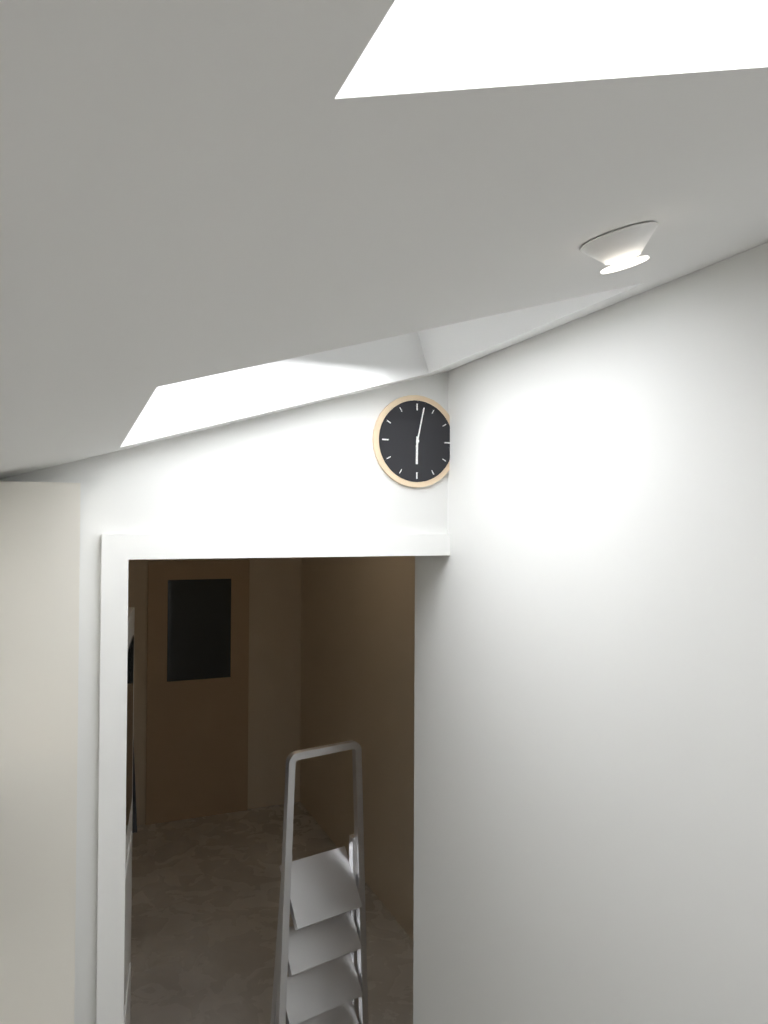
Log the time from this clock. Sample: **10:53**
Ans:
**6:02**
